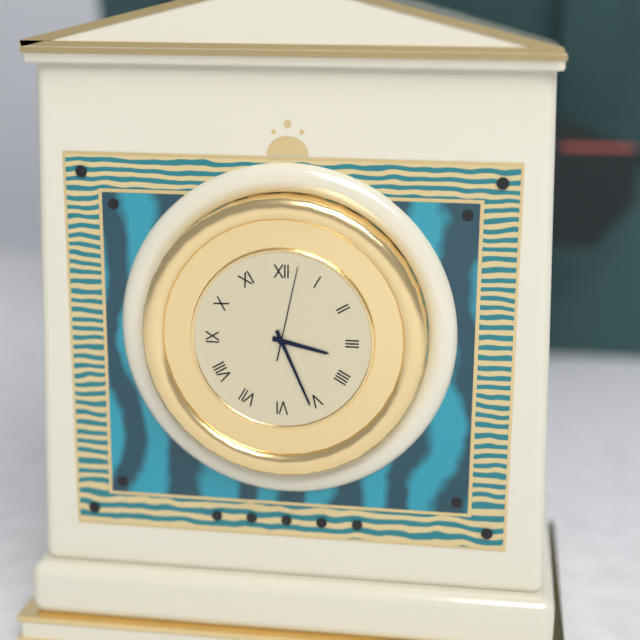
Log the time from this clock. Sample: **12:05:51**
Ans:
**3:26:02**
